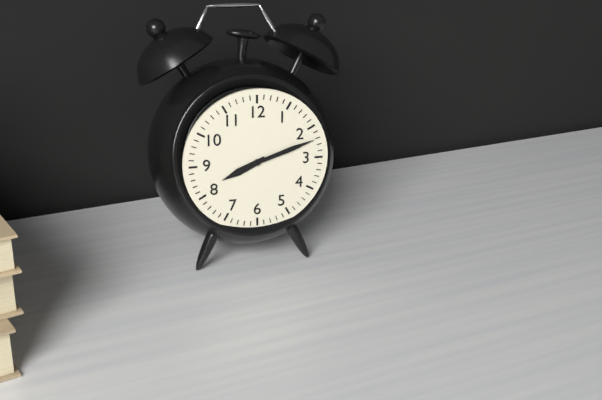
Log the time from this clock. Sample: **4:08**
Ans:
**8:12**
